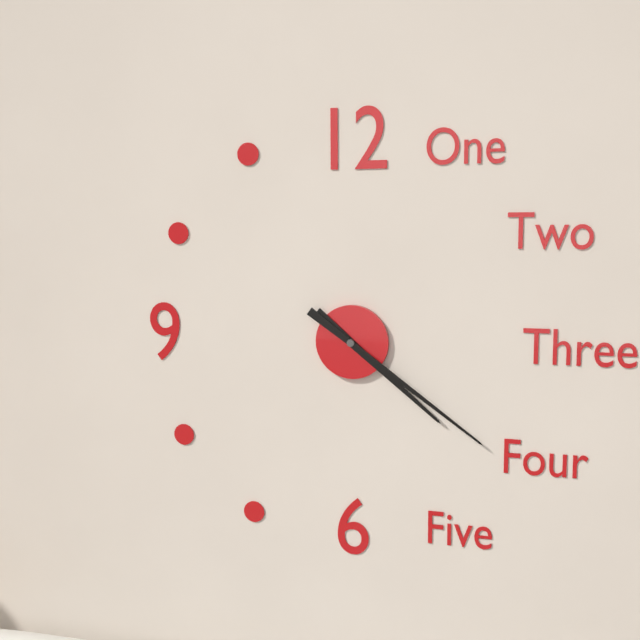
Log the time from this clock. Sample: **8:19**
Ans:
**4:21**
